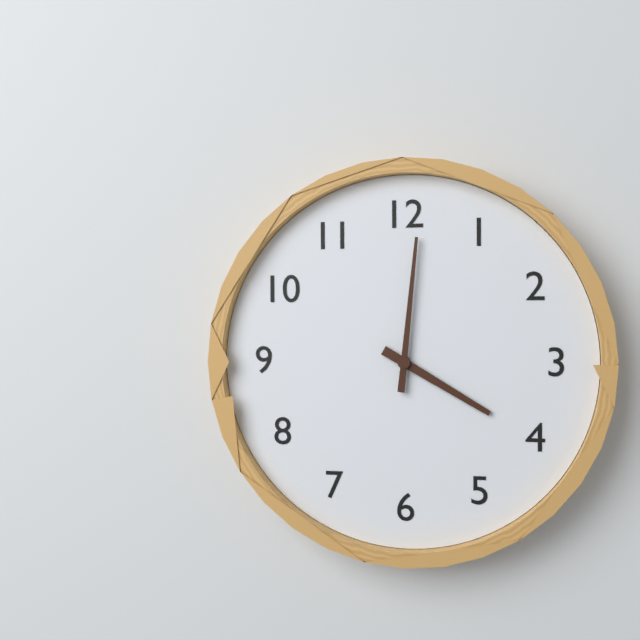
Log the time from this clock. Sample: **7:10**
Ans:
**4:01**
